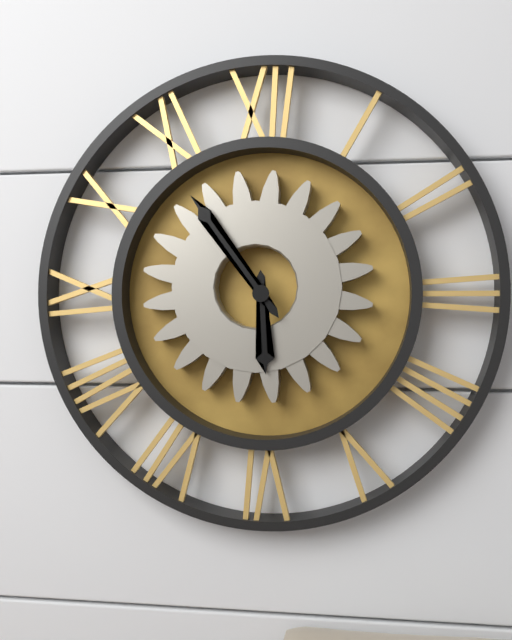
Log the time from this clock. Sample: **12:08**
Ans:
**5:54**
